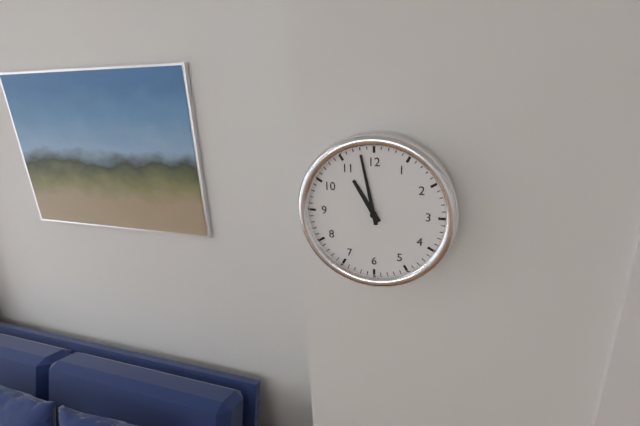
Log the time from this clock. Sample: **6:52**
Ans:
**10:58**
